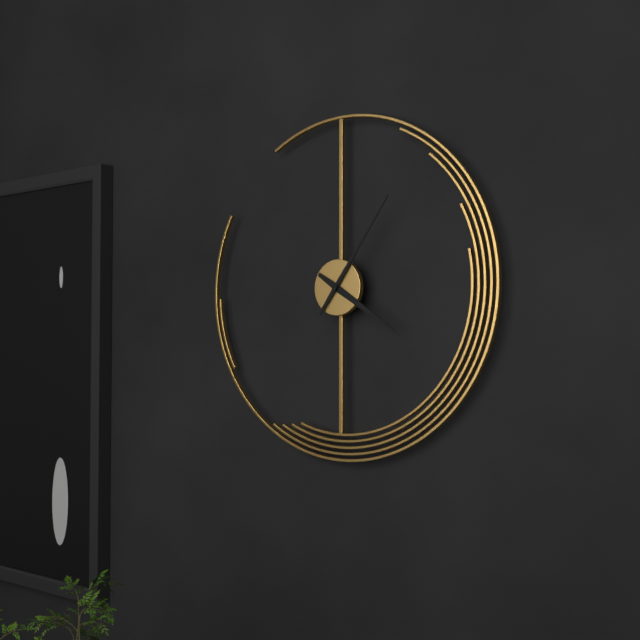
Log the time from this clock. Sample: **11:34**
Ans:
**4:06**
